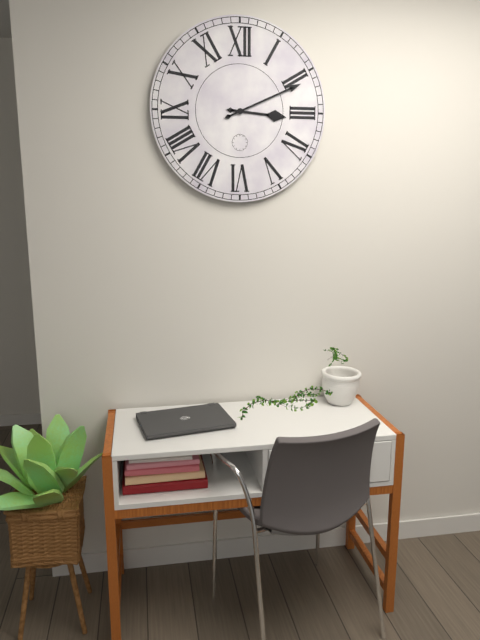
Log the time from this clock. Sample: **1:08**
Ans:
**3:11**
